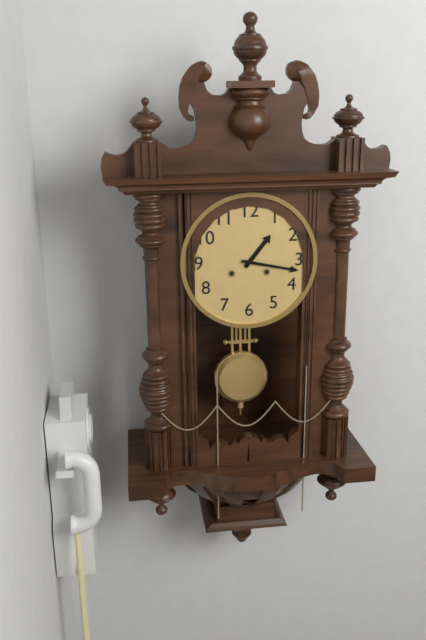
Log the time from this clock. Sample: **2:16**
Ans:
**1:17**
